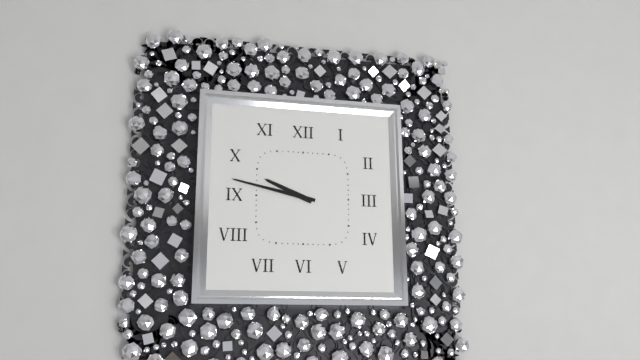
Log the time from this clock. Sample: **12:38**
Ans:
**9:47**
